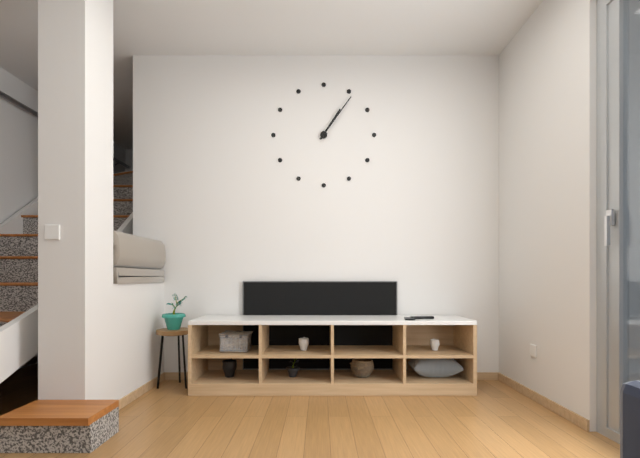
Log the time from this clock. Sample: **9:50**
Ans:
**1:06**
